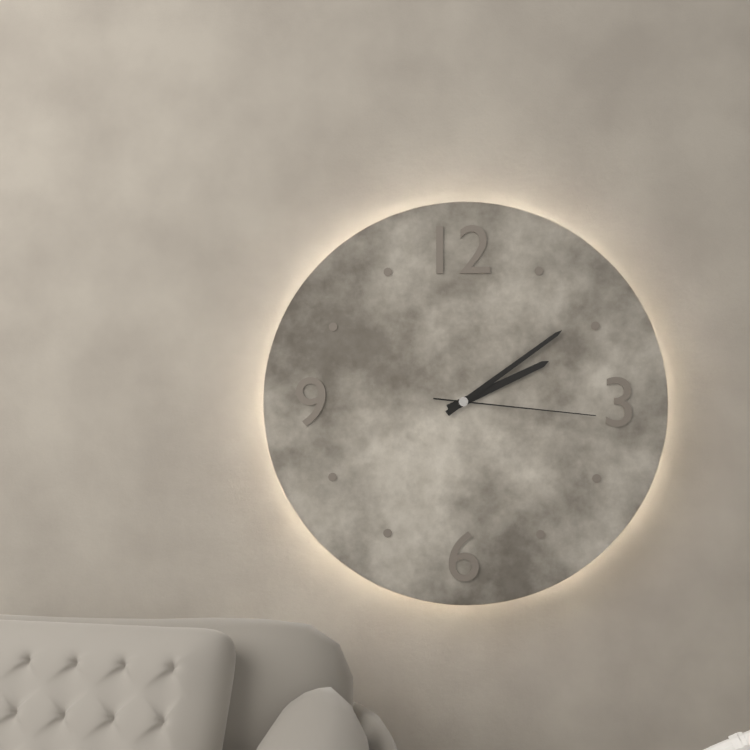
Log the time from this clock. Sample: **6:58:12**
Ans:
**2:09:16**
